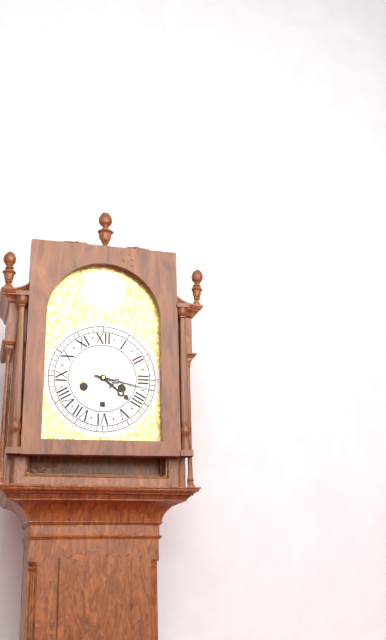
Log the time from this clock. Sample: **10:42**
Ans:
**4:17**
